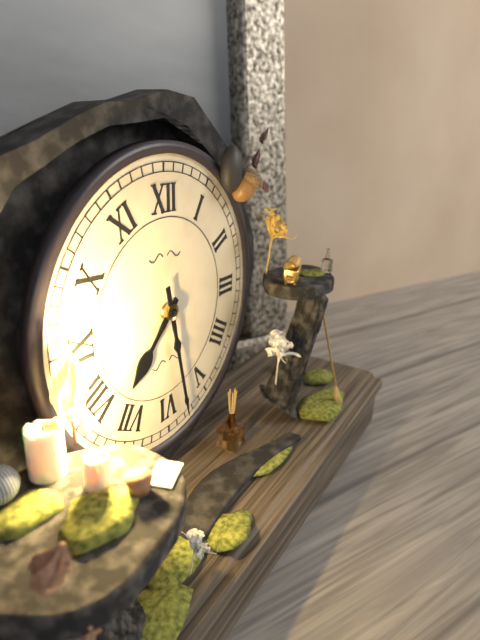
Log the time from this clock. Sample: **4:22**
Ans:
**7:28**
